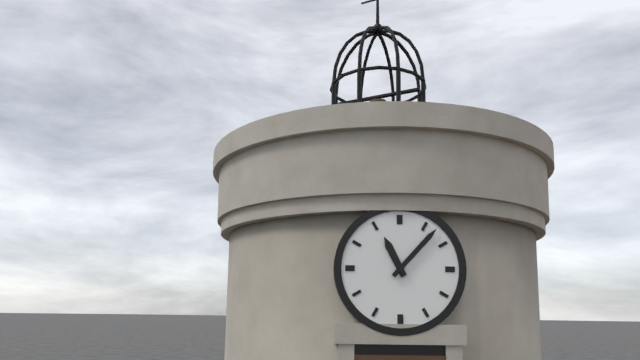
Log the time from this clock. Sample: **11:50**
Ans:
**11:07**
